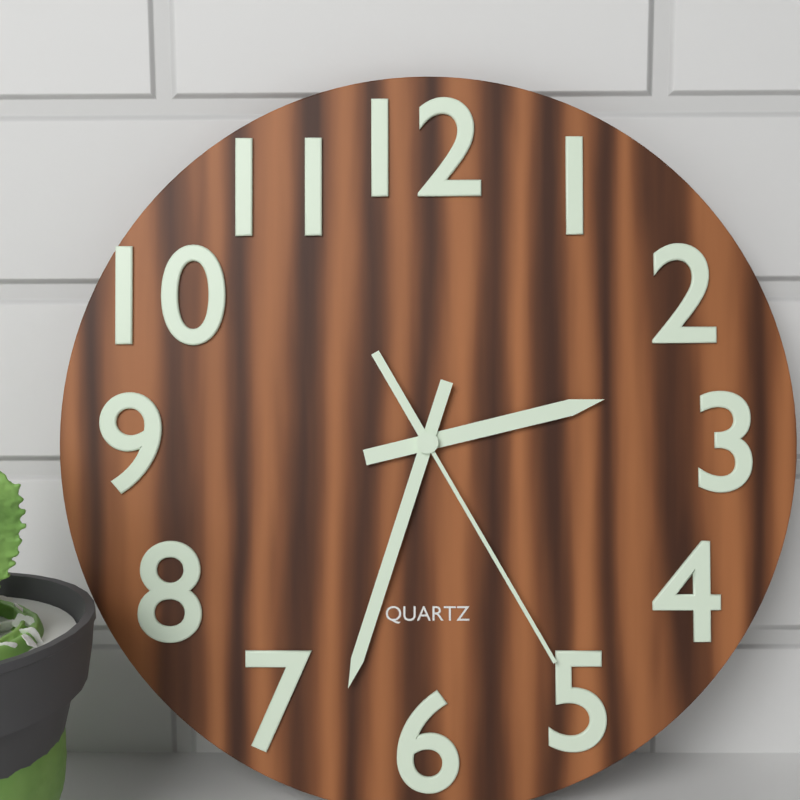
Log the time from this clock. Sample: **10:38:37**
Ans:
**2:33:25**
